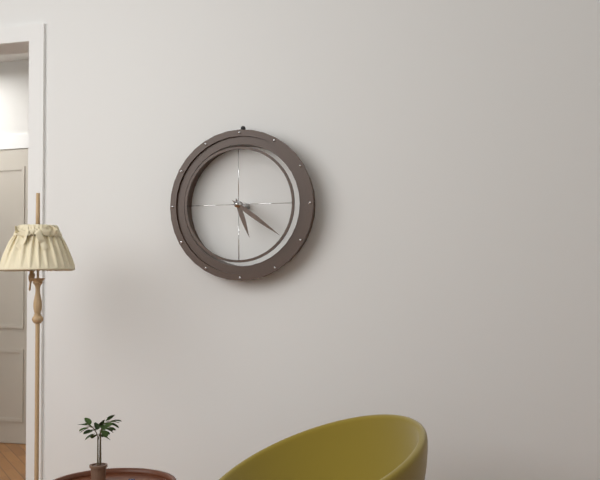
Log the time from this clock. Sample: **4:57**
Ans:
**5:21**
